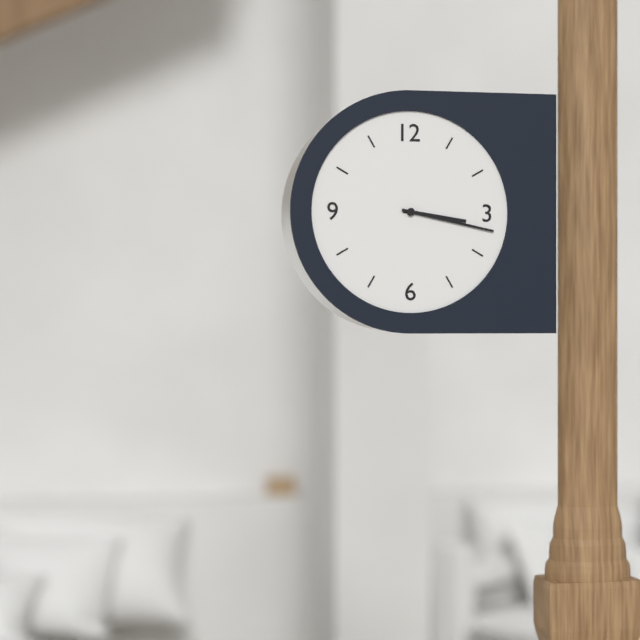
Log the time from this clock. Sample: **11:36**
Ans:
**3:17**
